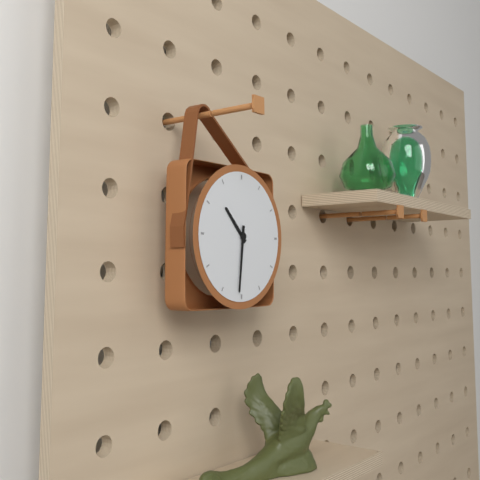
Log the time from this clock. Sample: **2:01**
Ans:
**10:31**
